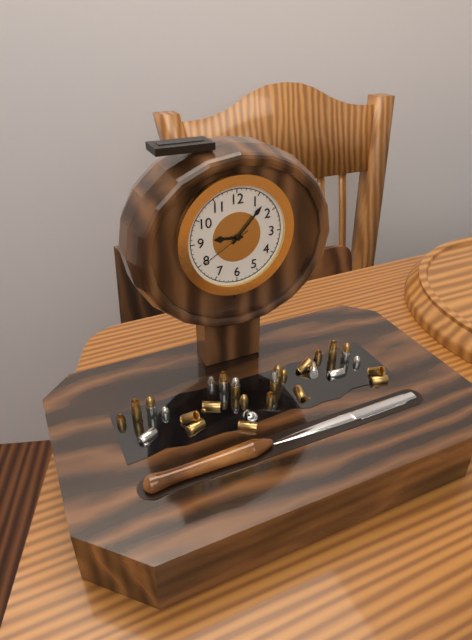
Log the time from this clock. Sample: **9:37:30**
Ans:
**9:07:40**
